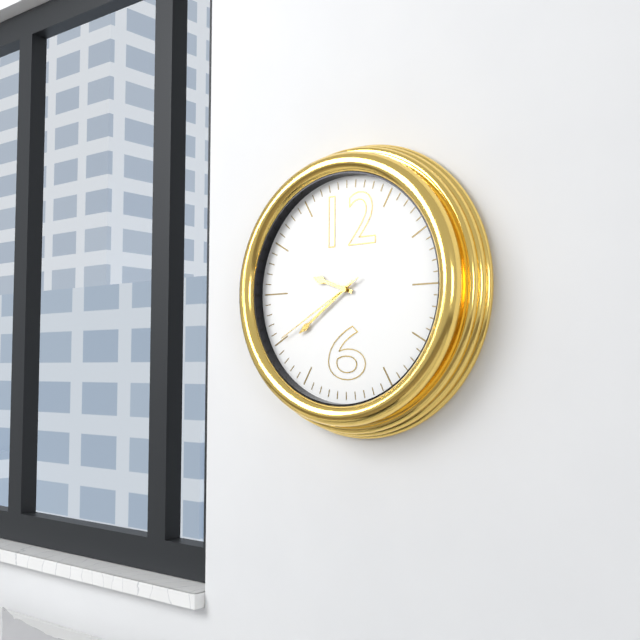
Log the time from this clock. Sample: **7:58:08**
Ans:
**9:39:40**
